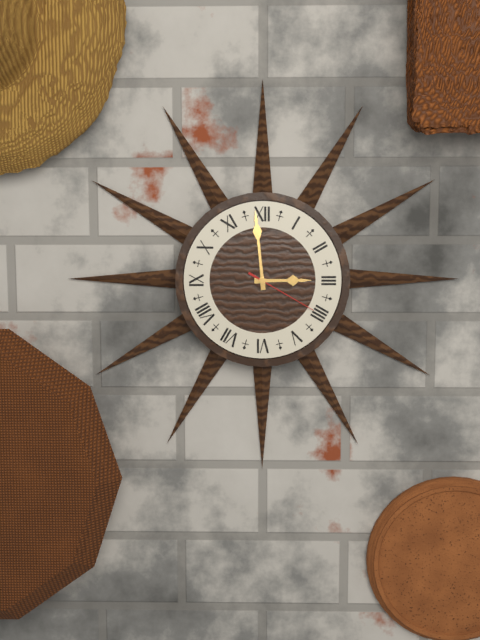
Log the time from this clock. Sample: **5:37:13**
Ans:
**2:59:20**
